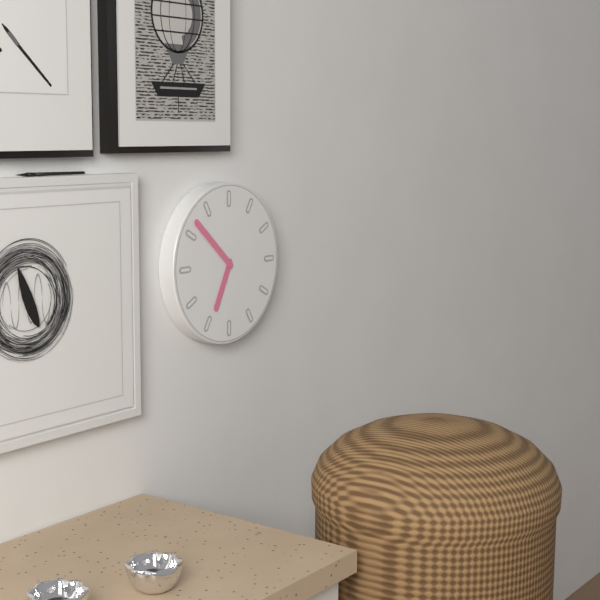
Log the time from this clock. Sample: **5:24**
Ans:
**6:52**
